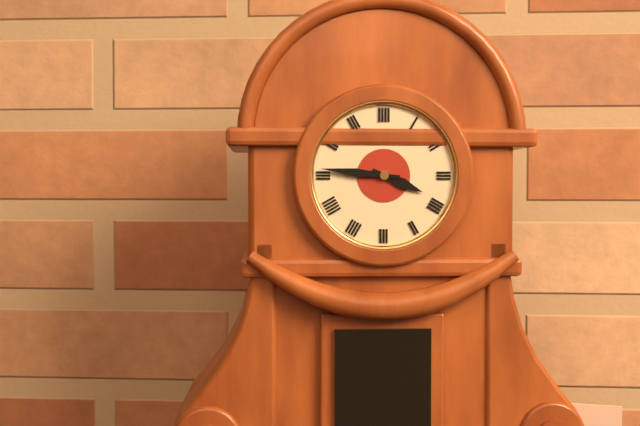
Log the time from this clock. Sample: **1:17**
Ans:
**3:46**
